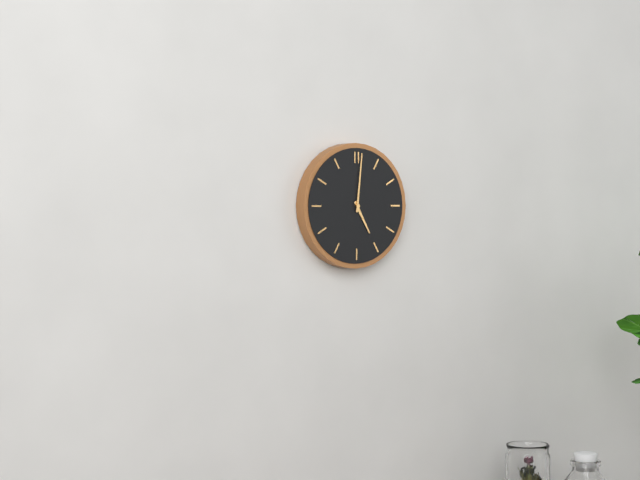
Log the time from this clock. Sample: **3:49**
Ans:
**5:01**
